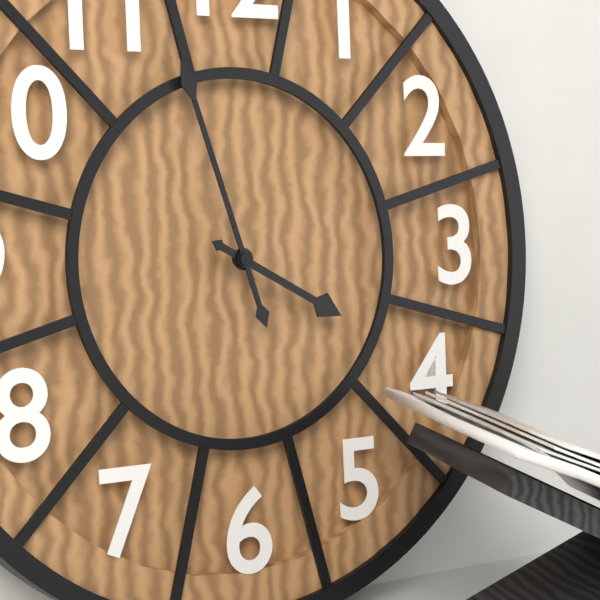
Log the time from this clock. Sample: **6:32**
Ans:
**3:57**
